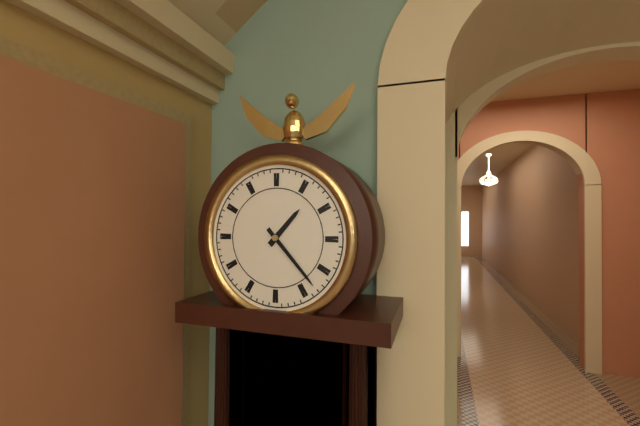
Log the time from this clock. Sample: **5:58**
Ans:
**1:23**
